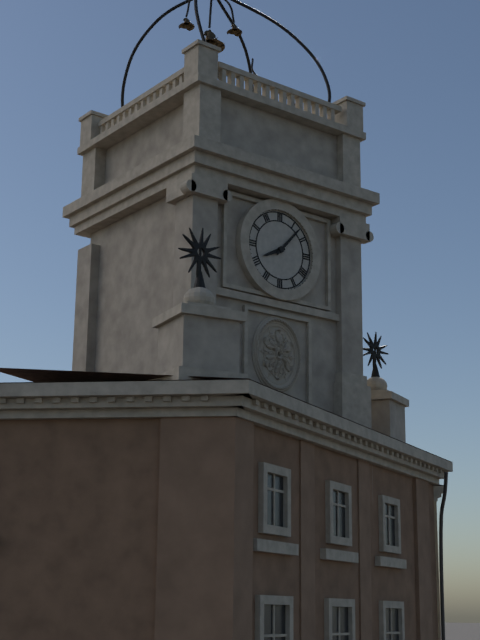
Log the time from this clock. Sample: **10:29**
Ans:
**8:07**
